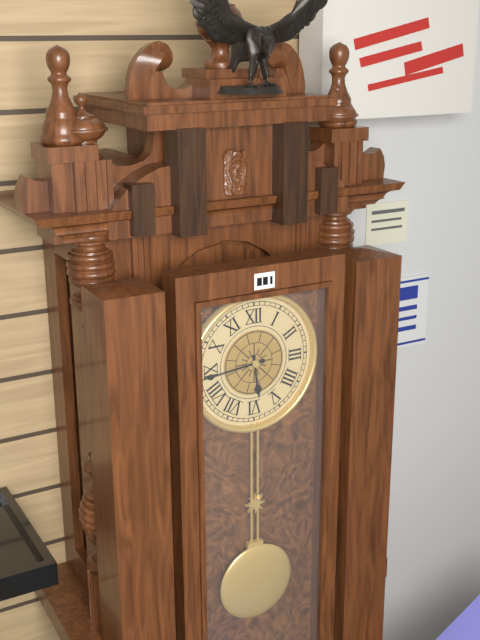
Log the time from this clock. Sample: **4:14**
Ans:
**5:44**
